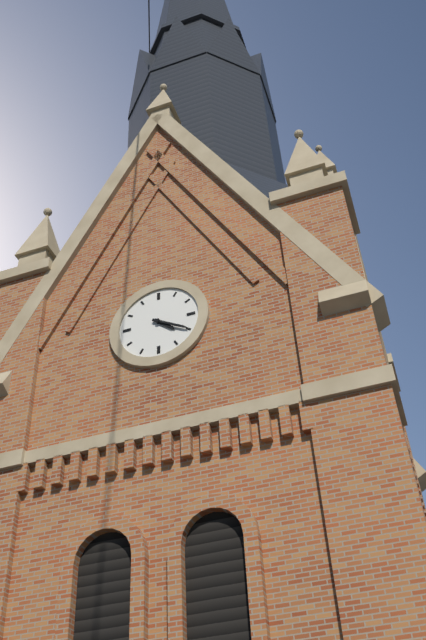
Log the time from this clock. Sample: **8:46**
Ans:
**4:20**
